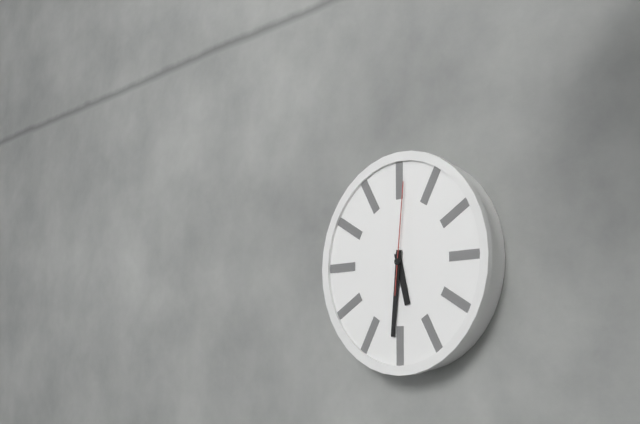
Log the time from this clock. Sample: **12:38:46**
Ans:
**5:31:01**
